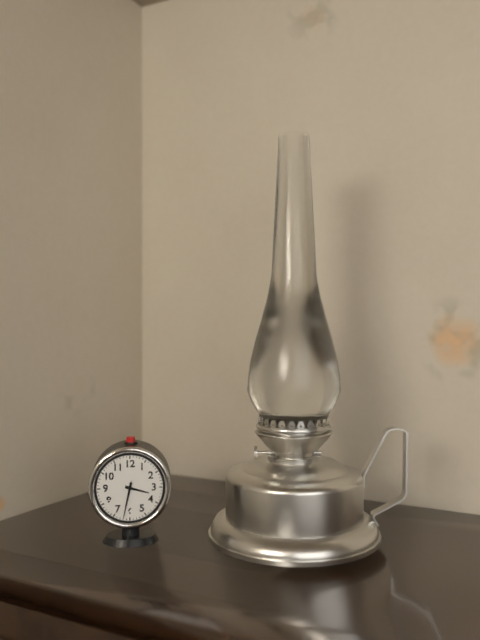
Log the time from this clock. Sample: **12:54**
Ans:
**3:32**
